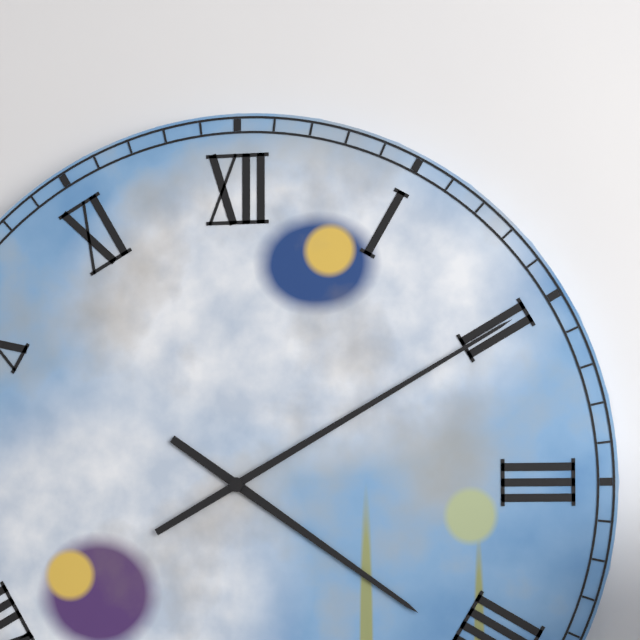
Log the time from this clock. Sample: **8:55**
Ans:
**4:10**
